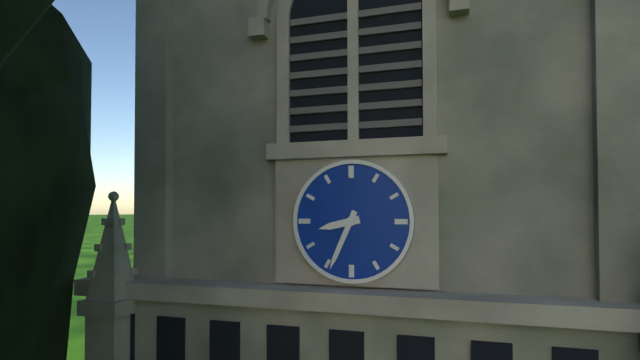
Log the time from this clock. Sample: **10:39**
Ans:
**8:34**
